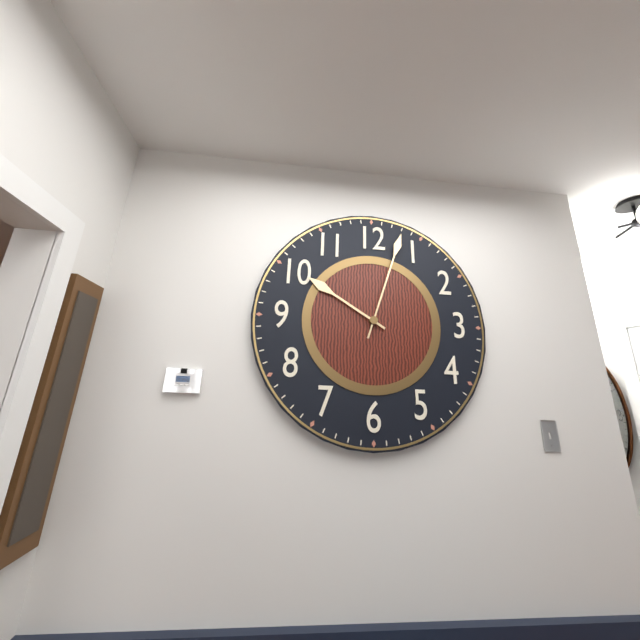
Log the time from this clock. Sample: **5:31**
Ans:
**10:03**
